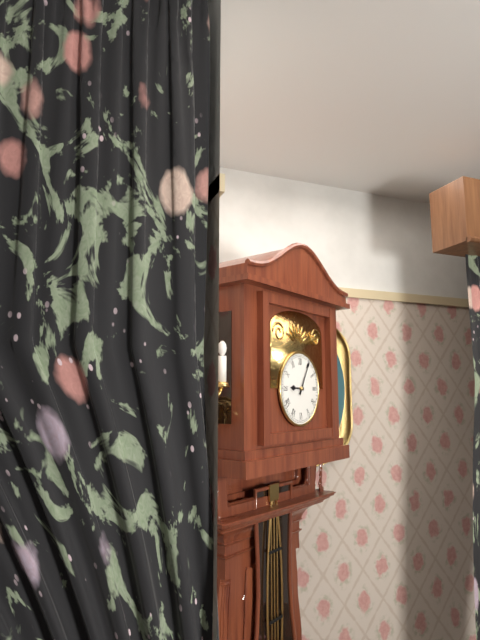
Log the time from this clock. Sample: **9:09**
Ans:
**9:05**
